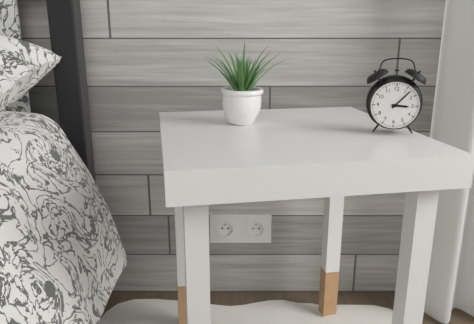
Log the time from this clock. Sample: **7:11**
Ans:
**3:07**
